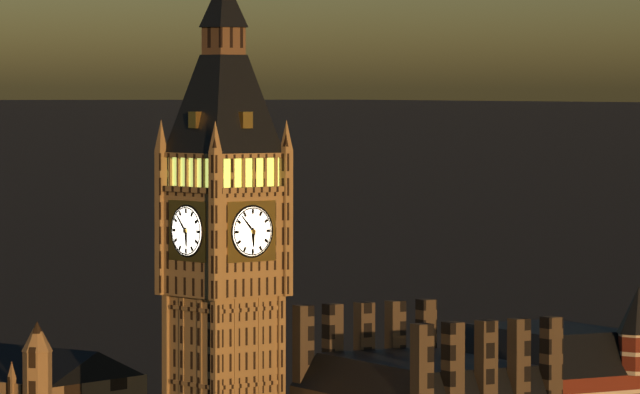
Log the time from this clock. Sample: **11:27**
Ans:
**5:53**
